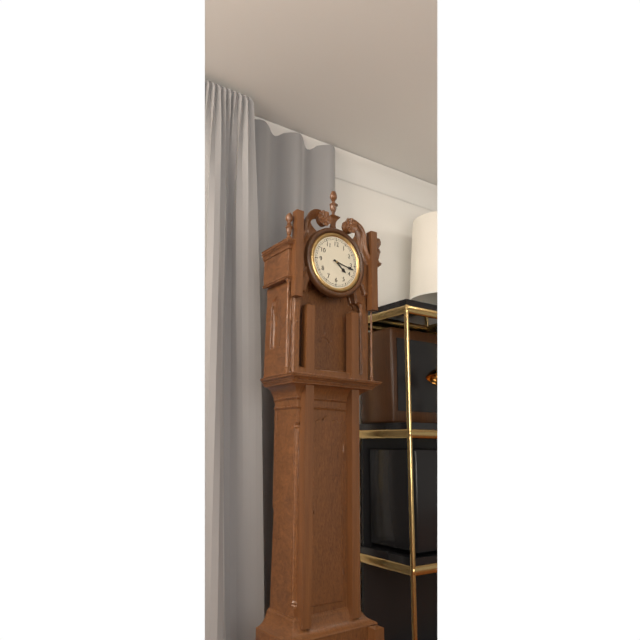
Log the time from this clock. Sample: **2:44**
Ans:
**4:17**
